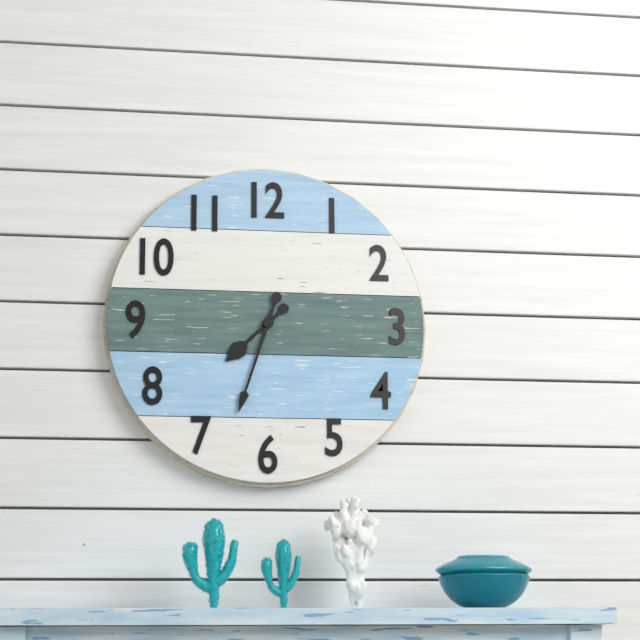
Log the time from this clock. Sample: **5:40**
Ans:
**7:33**
